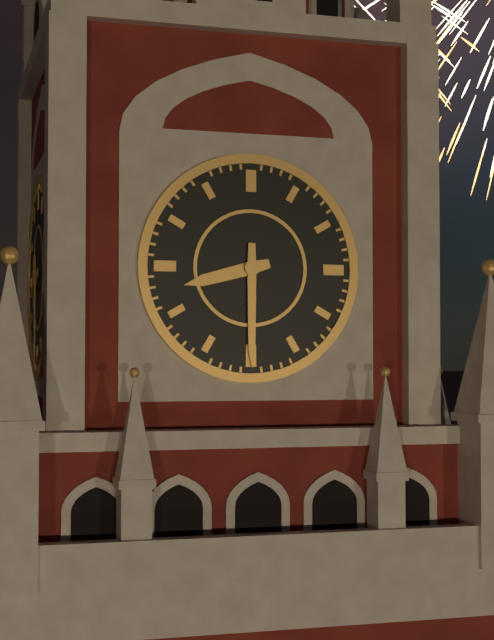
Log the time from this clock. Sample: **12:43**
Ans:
**8:30**
